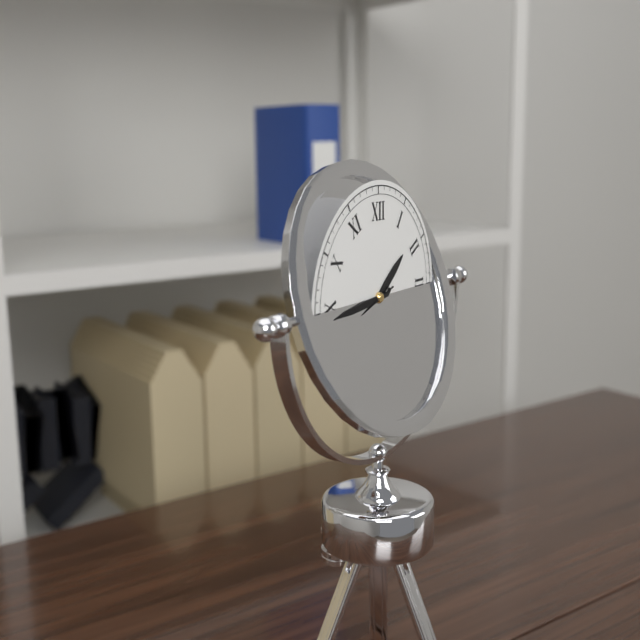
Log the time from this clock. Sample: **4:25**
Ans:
**1:44**
